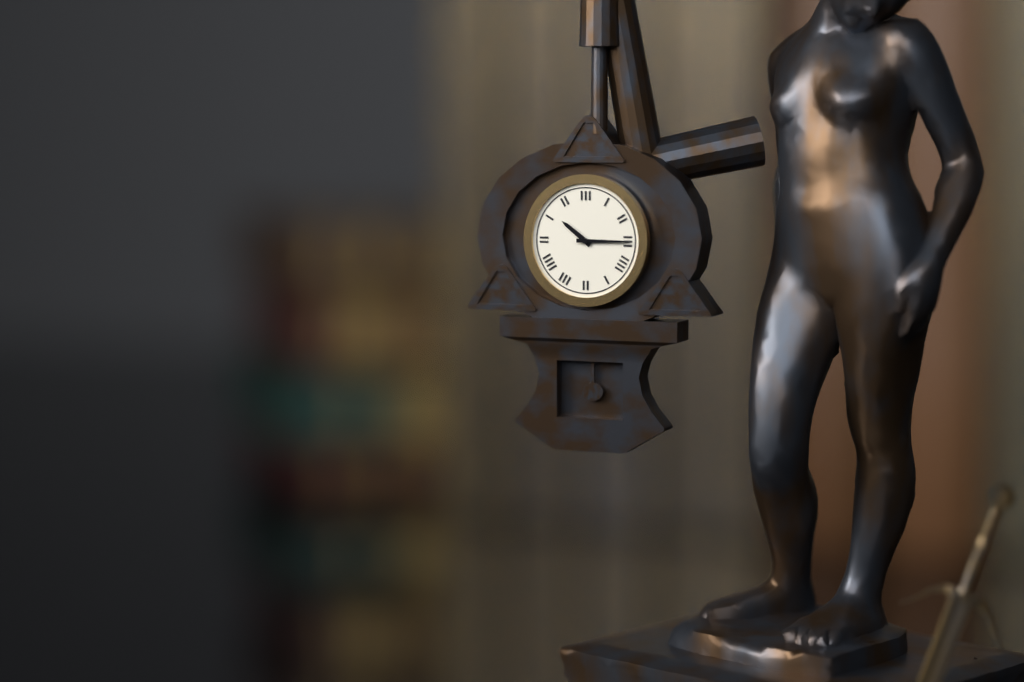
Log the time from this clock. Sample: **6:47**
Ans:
**10:15**
